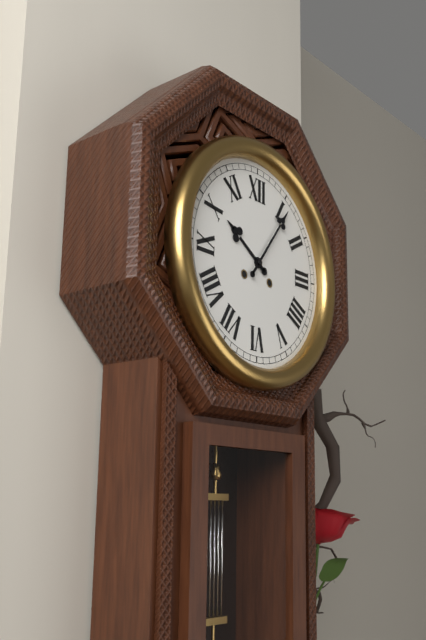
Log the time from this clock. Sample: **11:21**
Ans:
**10:06**
